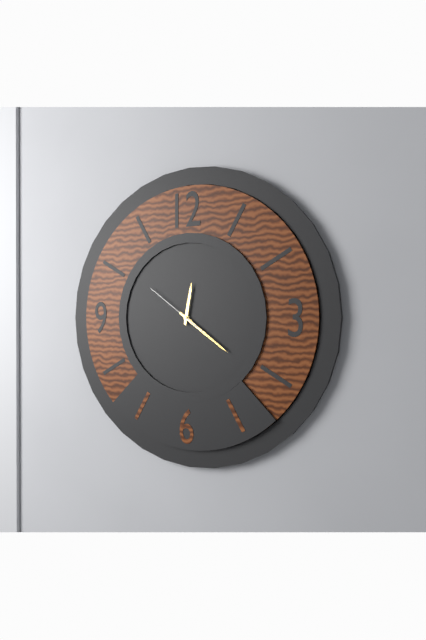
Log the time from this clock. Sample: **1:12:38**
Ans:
**12:21:51**
